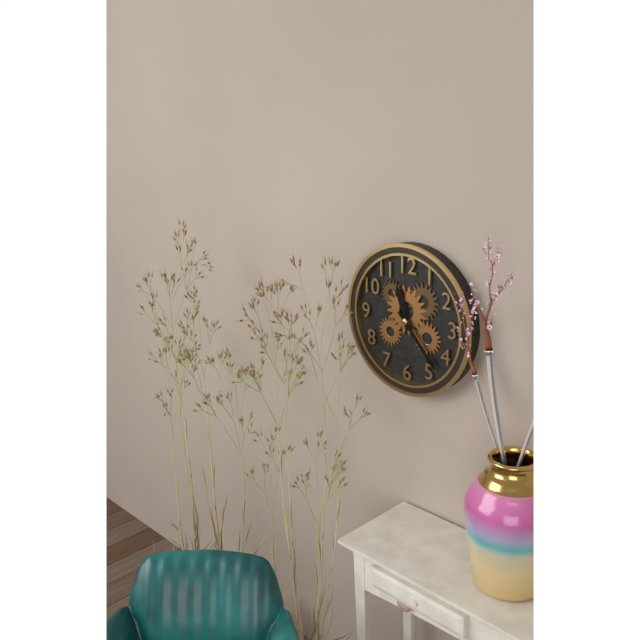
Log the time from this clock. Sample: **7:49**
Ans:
**11:23**
